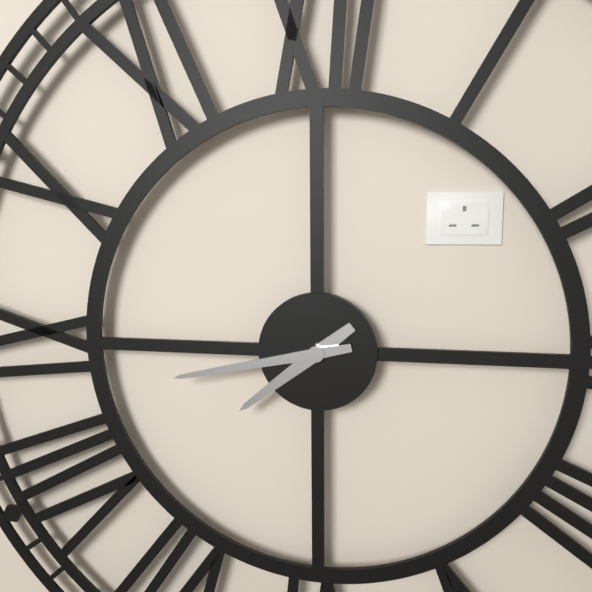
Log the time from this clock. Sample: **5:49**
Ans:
**7:43**
